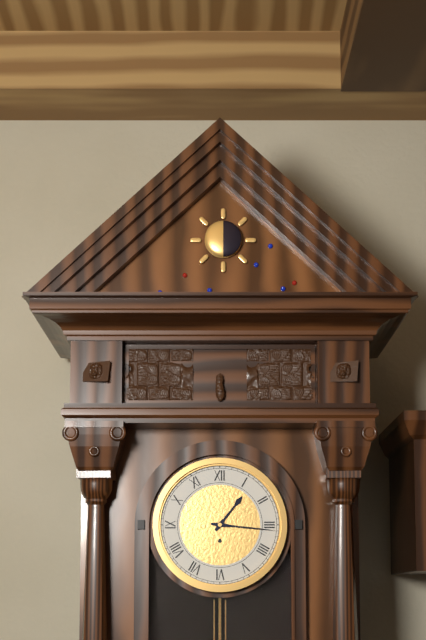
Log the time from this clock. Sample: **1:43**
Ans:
**1:16**
